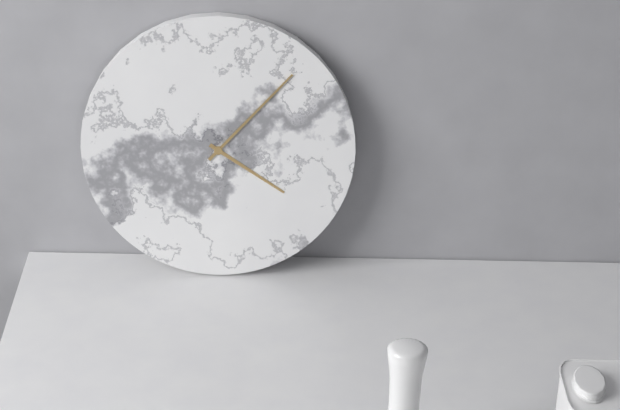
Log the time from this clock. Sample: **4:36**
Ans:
**4:07**
